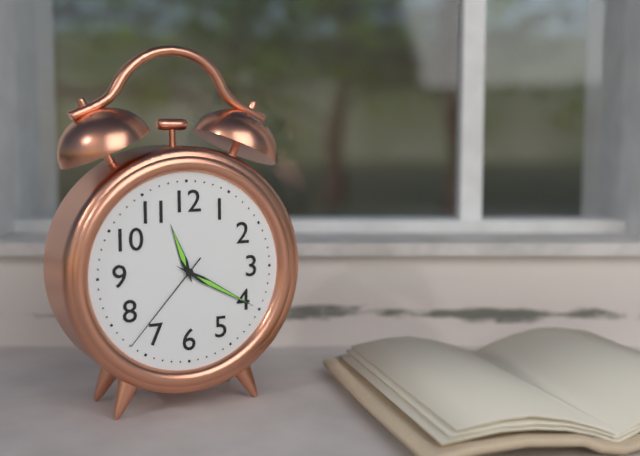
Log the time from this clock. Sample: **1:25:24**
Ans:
**11:20:37**
